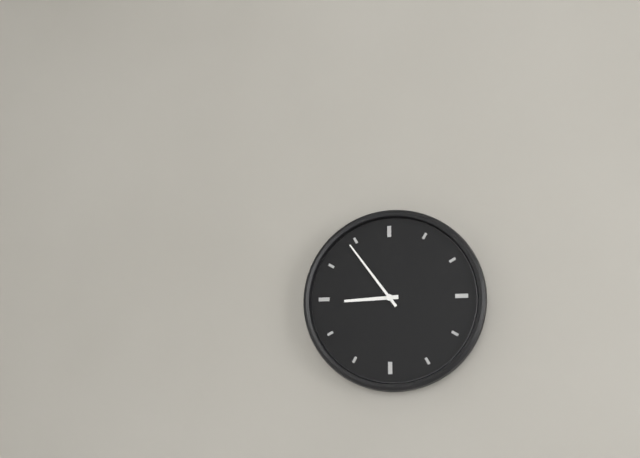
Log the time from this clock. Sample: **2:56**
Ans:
**8:54**
